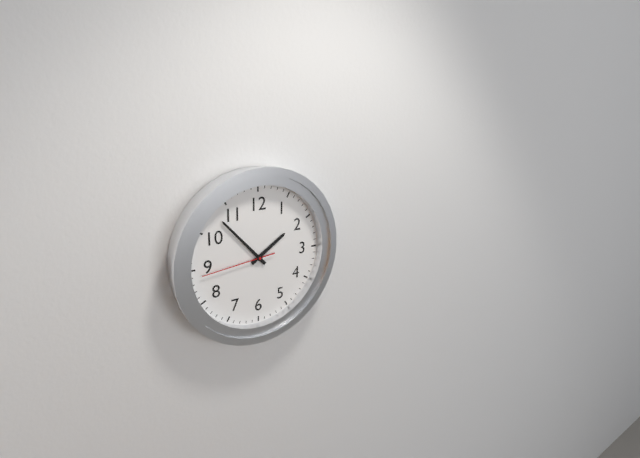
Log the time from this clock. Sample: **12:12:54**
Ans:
**1:53:44**
